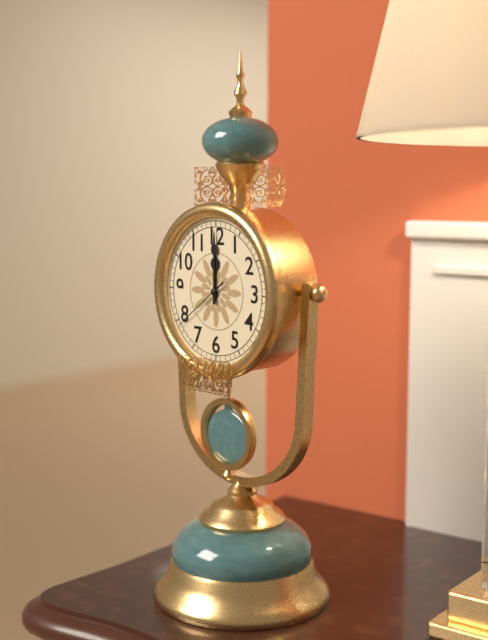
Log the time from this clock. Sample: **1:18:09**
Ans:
**12:00:39**
